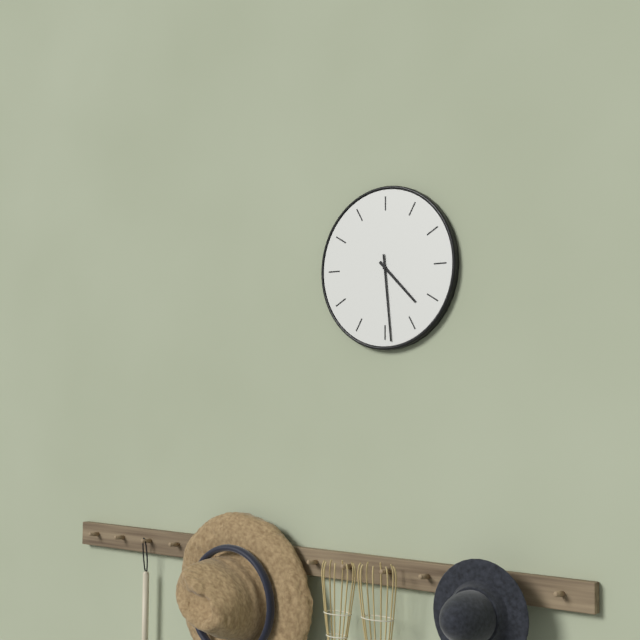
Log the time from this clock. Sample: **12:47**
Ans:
**4:29**
